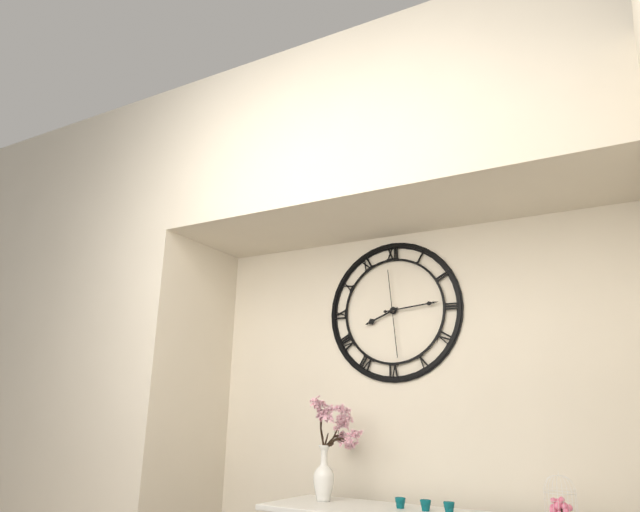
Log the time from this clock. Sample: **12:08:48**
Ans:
**8:14:29**
